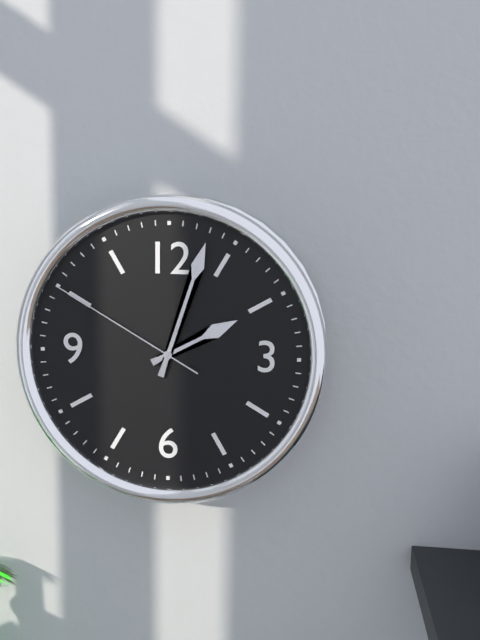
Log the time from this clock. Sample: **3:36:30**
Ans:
**2:03:50**
